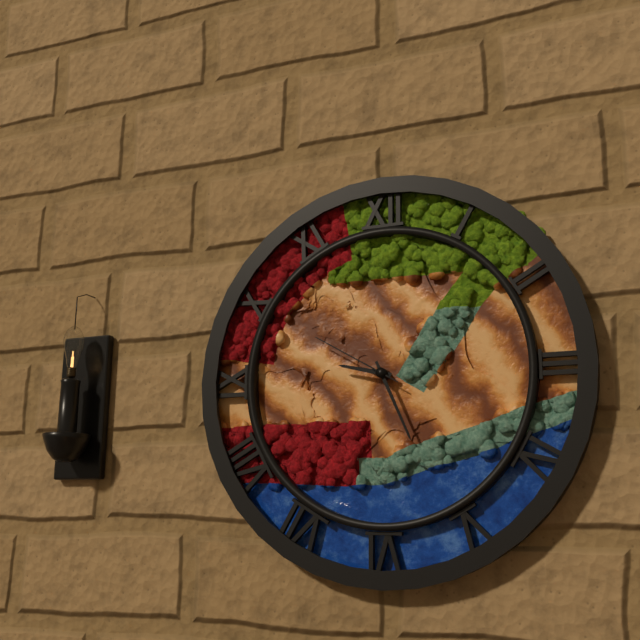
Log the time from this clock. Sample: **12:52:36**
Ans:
**9:26:50**
